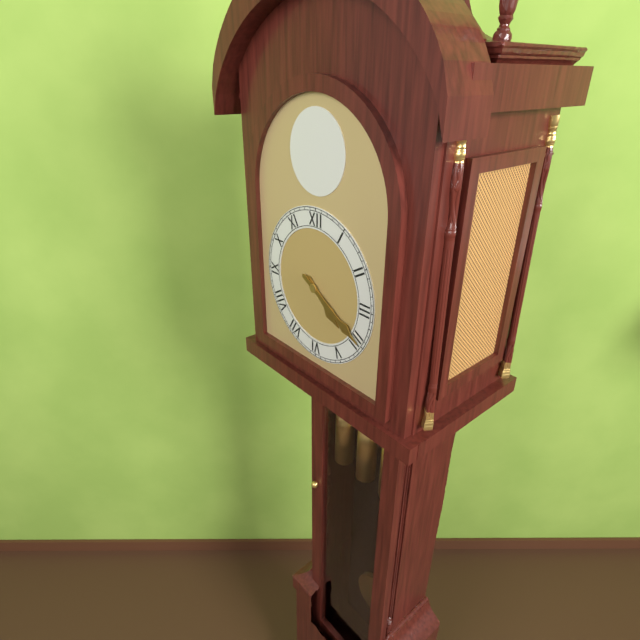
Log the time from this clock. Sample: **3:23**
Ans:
**4:20**
